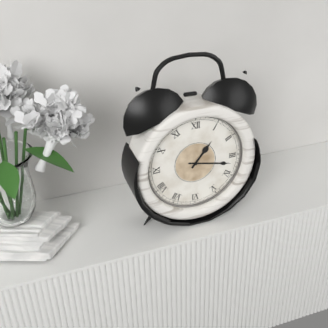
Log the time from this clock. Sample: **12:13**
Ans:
**1:17**
